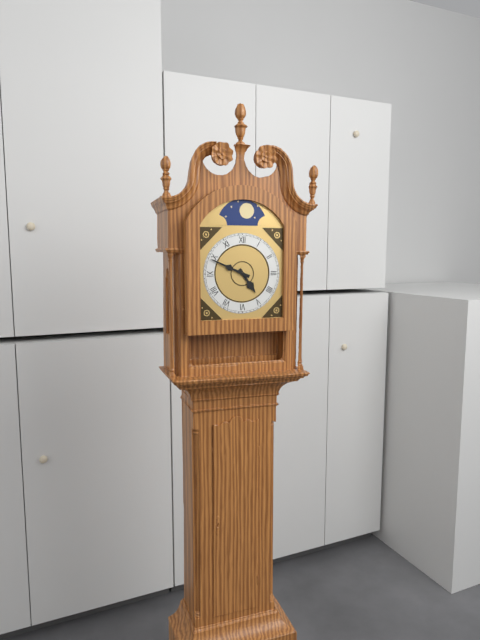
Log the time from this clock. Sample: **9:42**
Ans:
**4:49**
